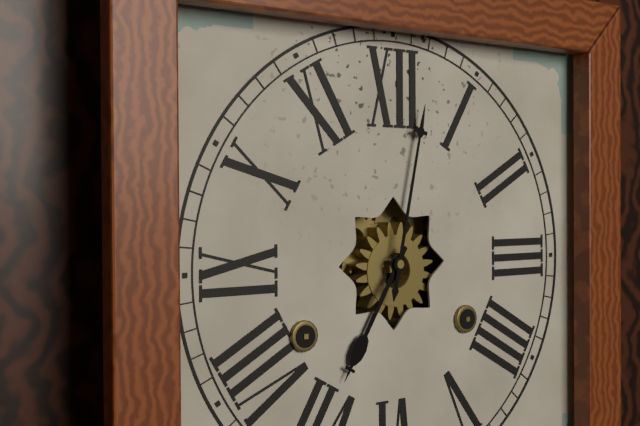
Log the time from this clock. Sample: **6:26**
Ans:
**7:02**
